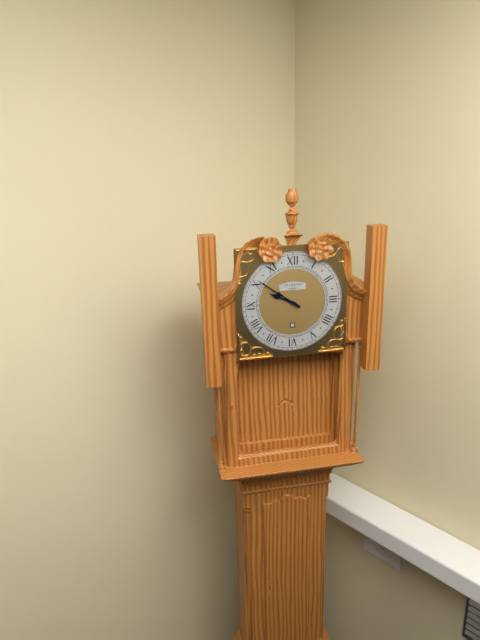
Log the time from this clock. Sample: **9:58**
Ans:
**9:51**
